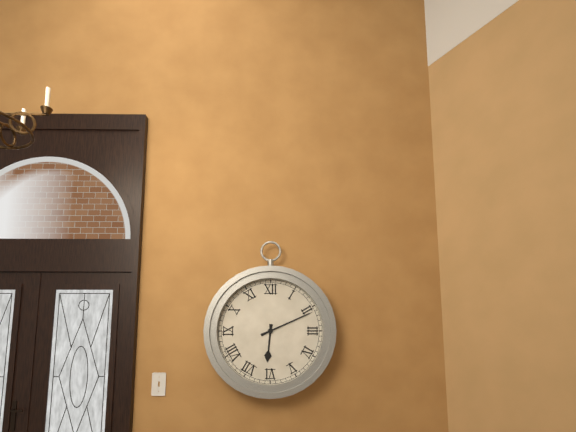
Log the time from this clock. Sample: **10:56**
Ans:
**6:11**
